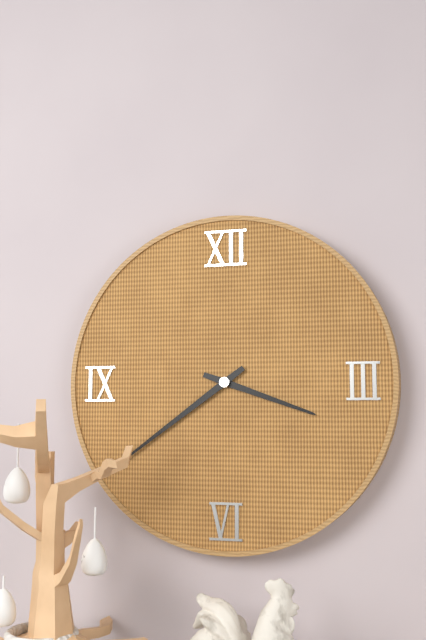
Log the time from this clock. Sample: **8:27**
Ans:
**3:39**
